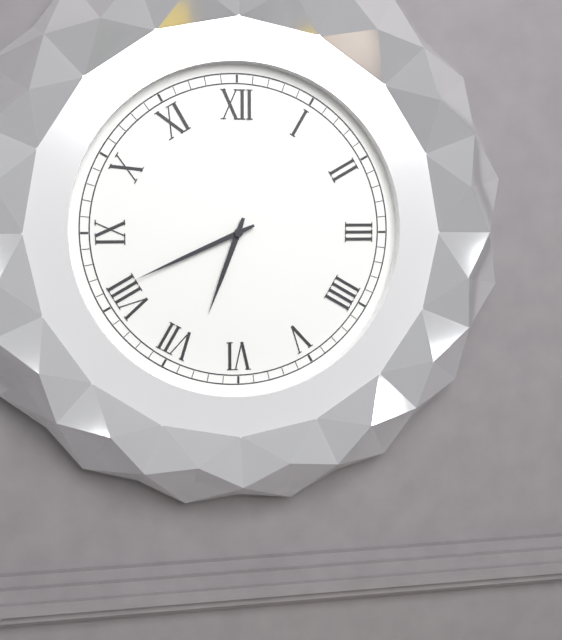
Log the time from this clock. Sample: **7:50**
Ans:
**6:41**
